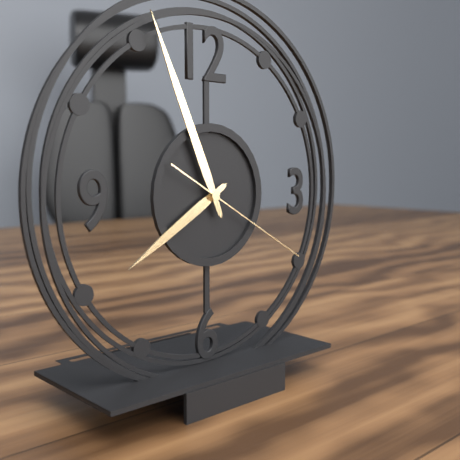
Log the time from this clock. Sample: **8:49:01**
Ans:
**7:56:20**
